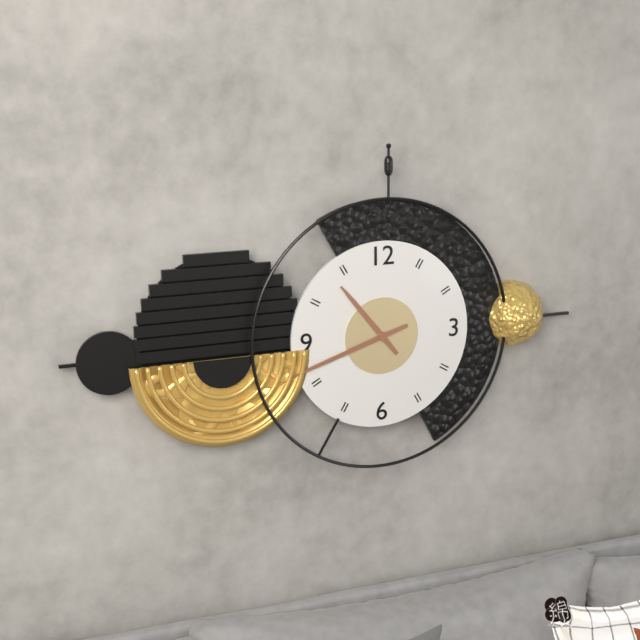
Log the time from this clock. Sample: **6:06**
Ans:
**10:42**
